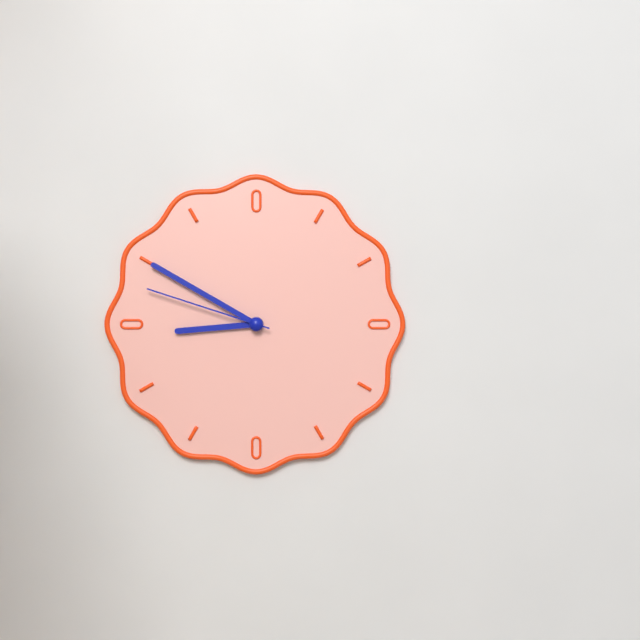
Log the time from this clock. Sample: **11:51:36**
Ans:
**8:50:48**
